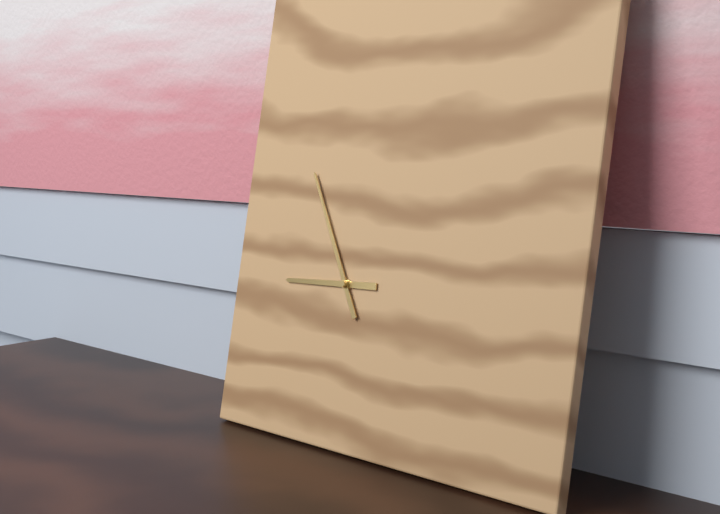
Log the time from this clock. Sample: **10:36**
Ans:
**8:55**
